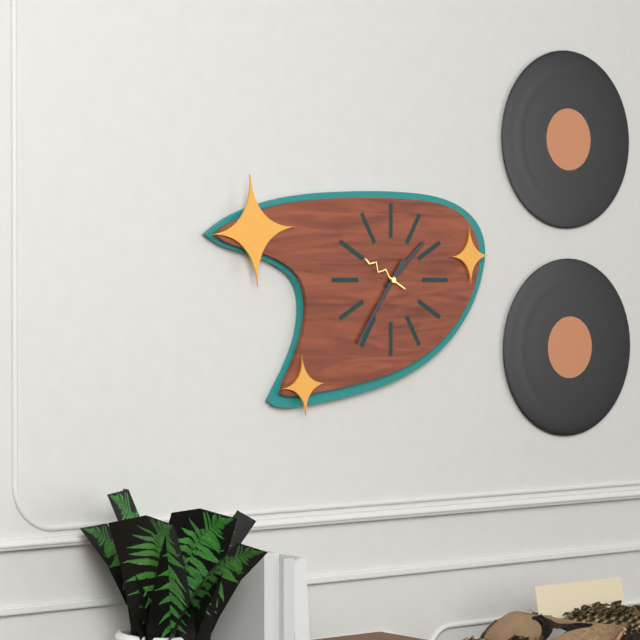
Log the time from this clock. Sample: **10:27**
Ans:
**1:36**
